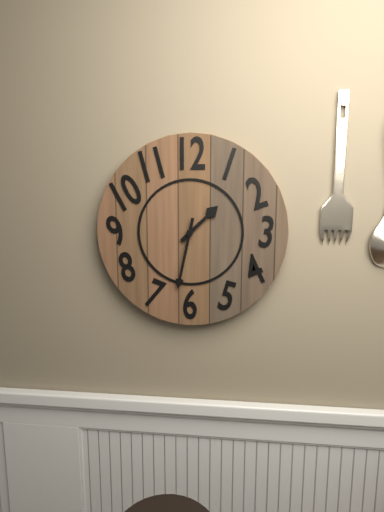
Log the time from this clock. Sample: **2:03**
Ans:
**1:32**
